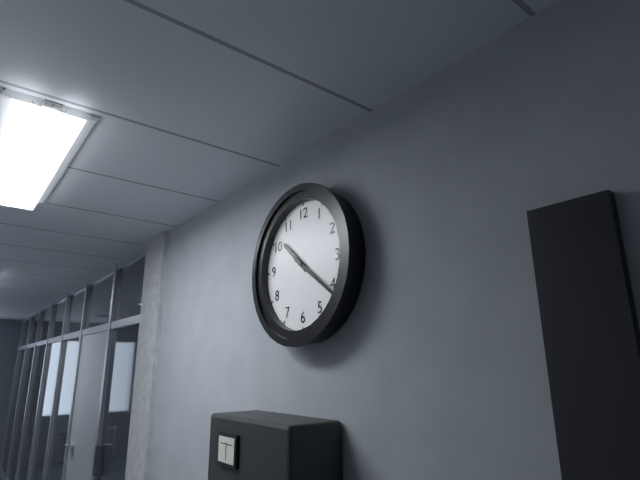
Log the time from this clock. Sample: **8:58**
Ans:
**10:21**
